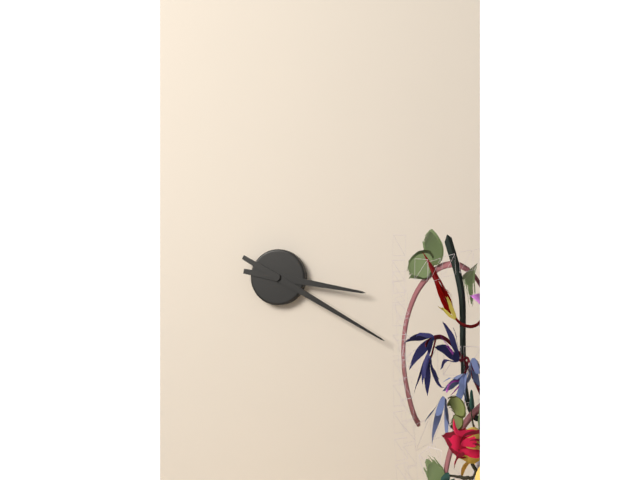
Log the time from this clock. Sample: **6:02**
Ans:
**3:20**
